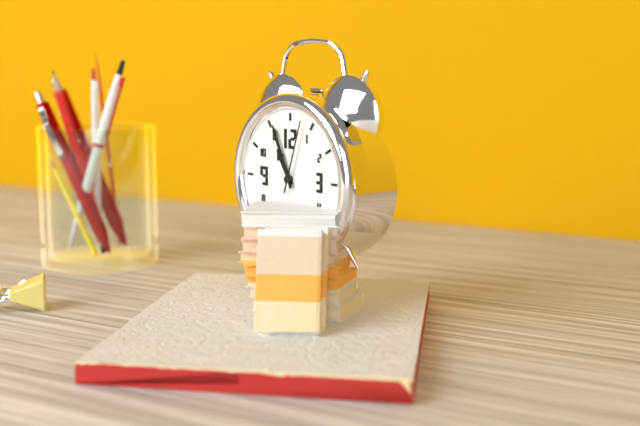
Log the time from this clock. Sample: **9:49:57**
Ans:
**10:56:03**
